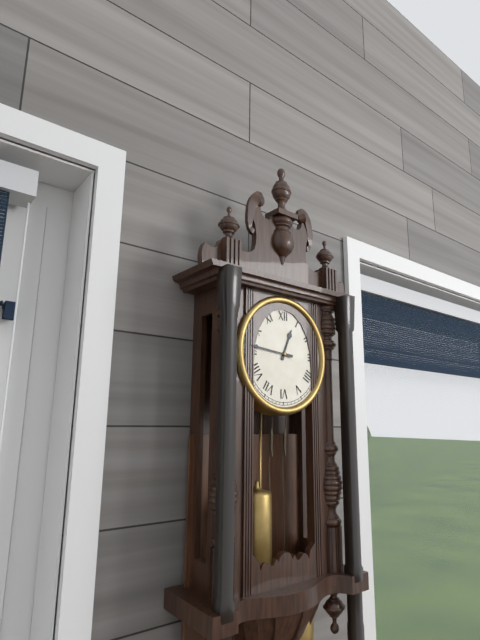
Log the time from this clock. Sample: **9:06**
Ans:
**12:46**
